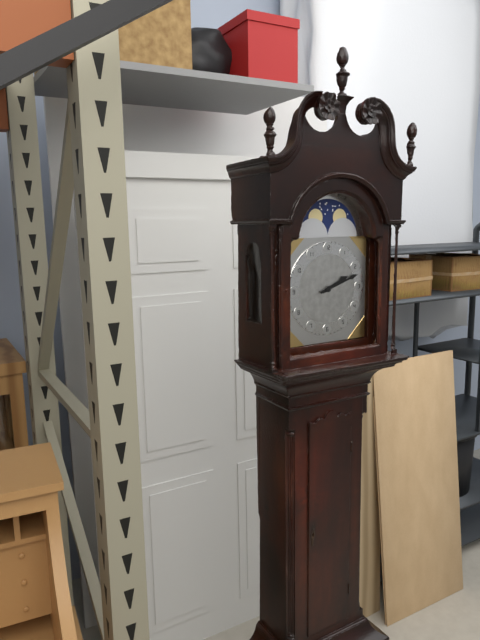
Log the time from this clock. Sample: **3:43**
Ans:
**2:12**
